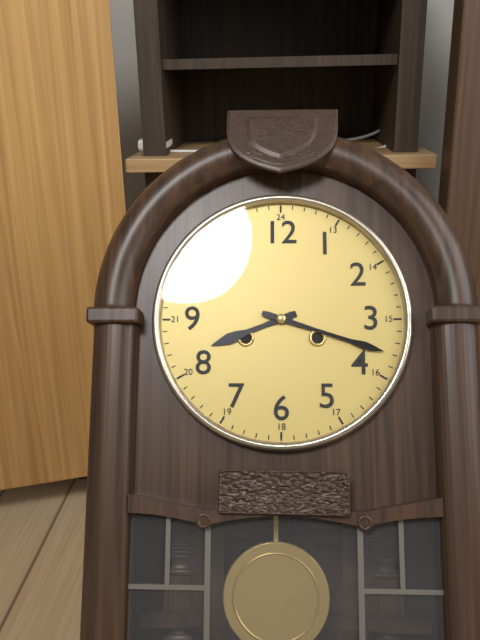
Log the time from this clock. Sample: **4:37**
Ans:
**8:18**
